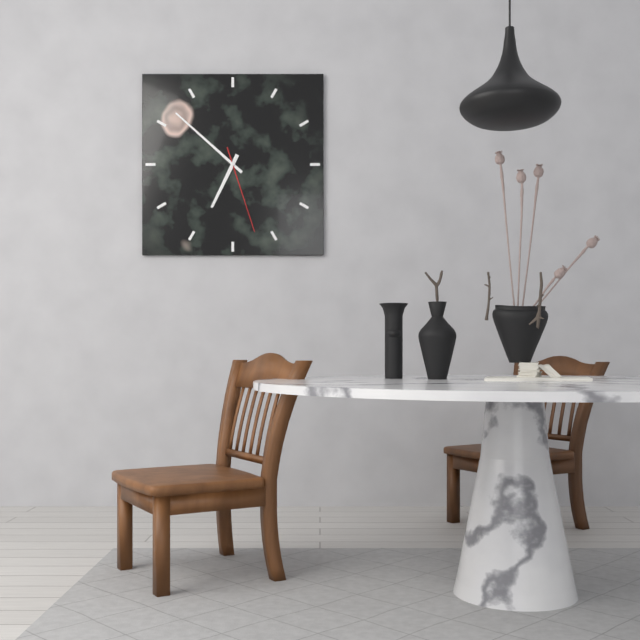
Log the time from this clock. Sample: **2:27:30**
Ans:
**6:52:27**
